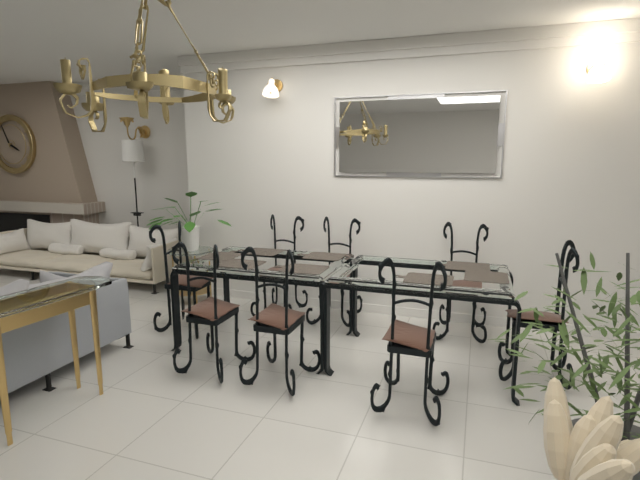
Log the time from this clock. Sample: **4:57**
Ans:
**3:56**
